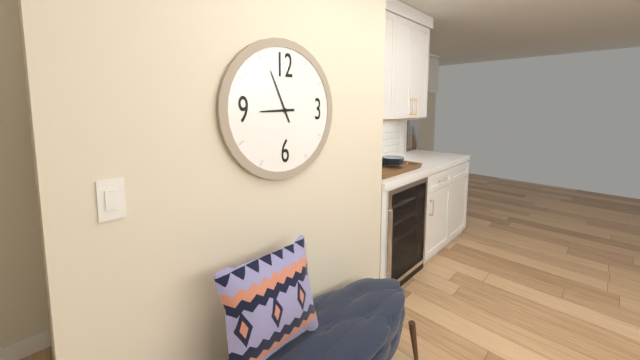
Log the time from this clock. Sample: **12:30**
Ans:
**8:56**
